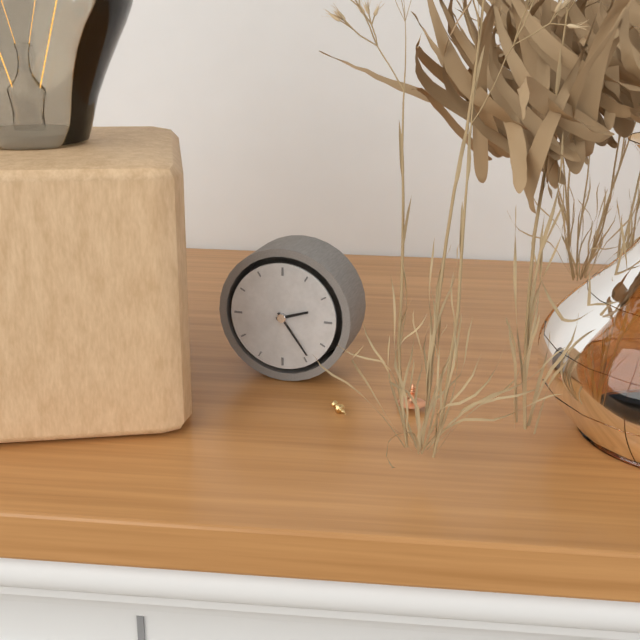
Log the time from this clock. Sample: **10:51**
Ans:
**2:24**
